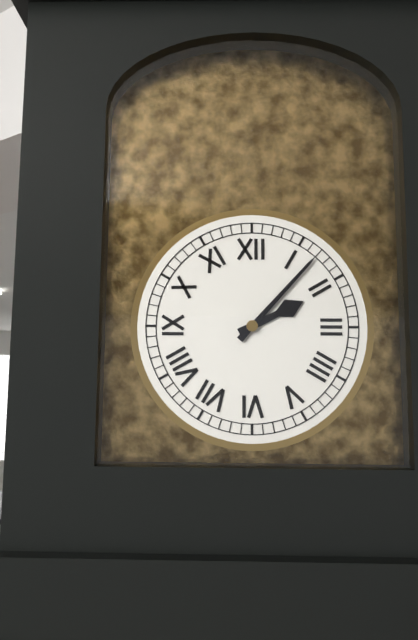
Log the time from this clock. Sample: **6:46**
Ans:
**2:07**
